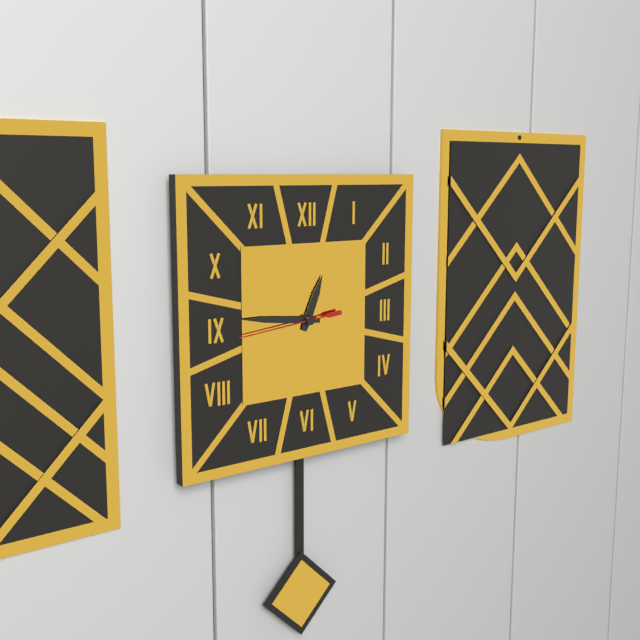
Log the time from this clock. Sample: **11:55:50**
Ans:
**12:46:44**
